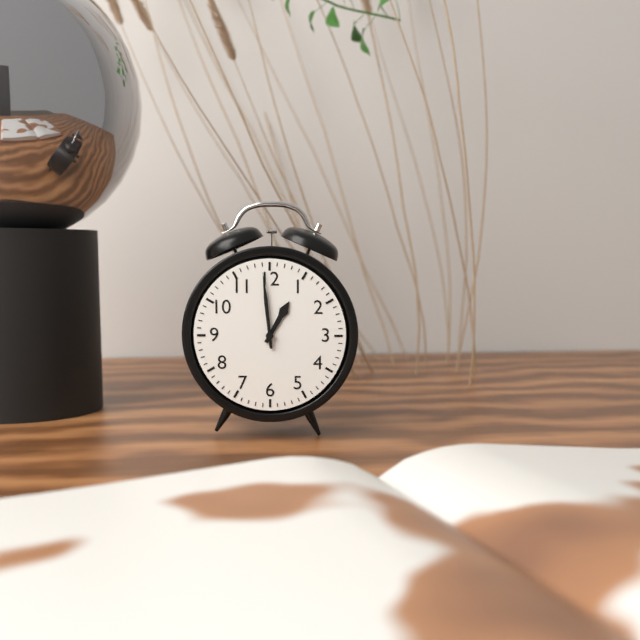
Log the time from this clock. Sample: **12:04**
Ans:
**12:59**
